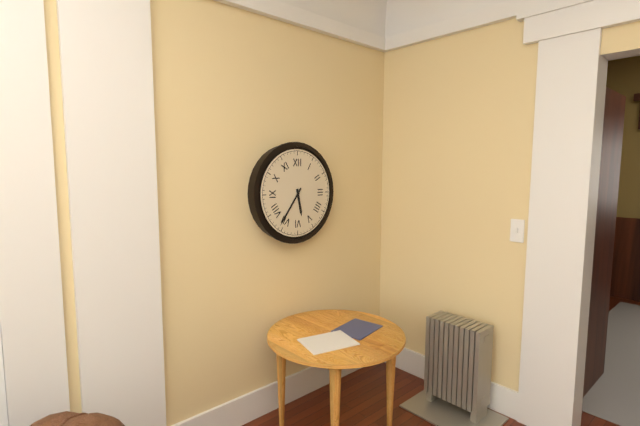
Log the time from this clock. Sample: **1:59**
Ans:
**5:36**
